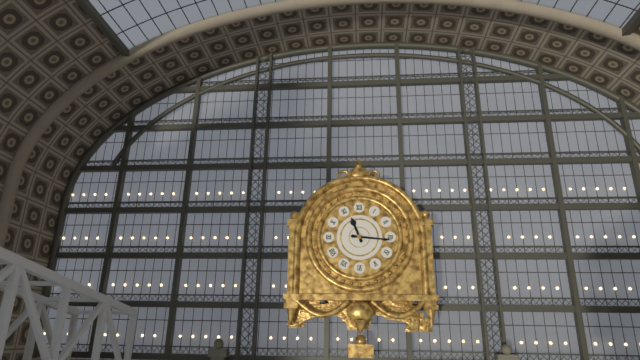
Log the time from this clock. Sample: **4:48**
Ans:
**11:16**
